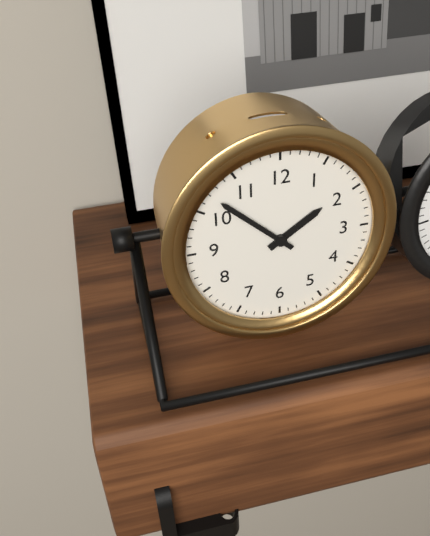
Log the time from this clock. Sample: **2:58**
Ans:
**1:52**
